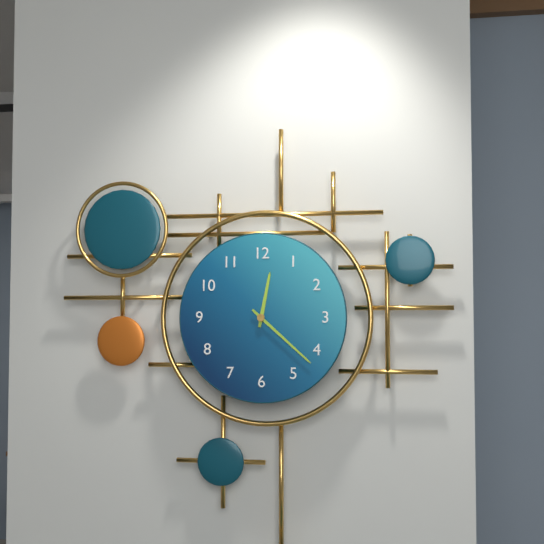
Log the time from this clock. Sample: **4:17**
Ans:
**12:22**
